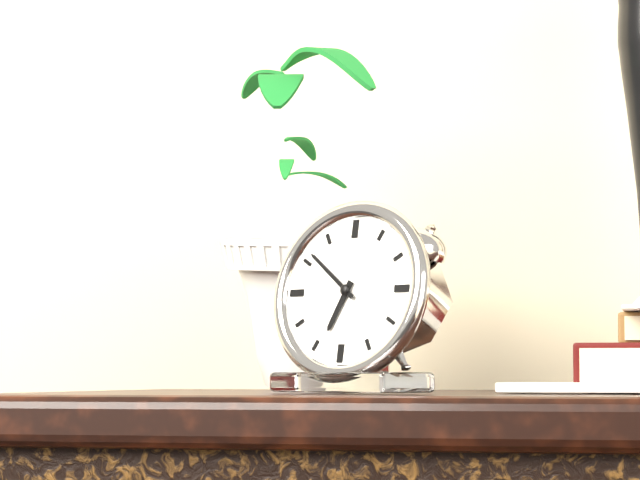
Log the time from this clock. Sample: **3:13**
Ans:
**6:51**
